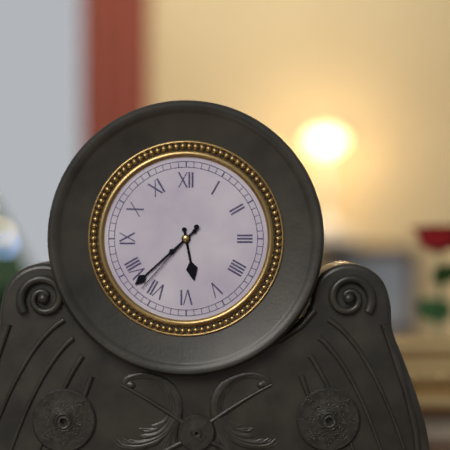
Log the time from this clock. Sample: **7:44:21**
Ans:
**5:38:37**
